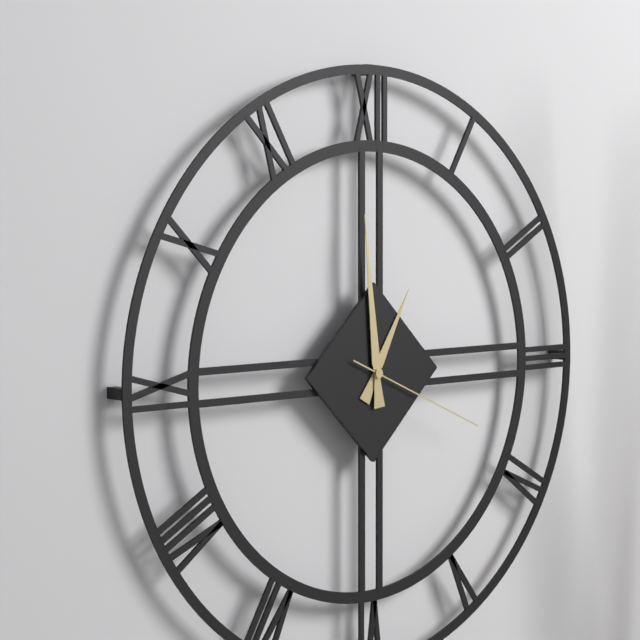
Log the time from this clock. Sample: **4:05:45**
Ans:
**12:59:19**
